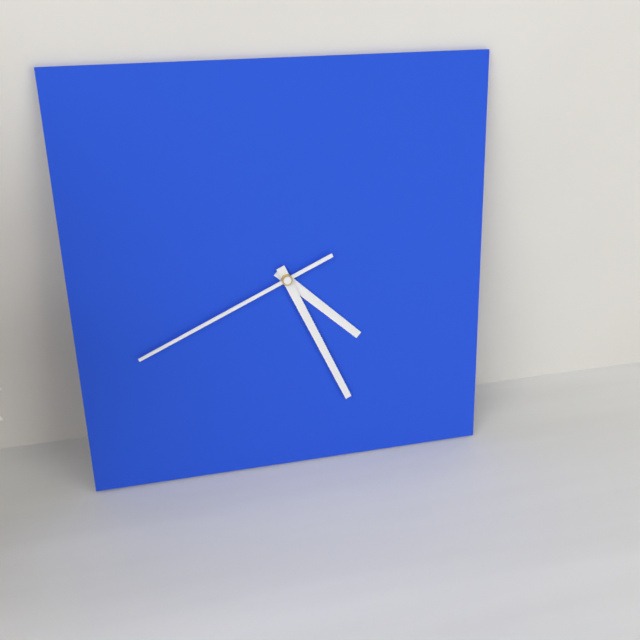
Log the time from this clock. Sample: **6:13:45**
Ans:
**4:26:41**
